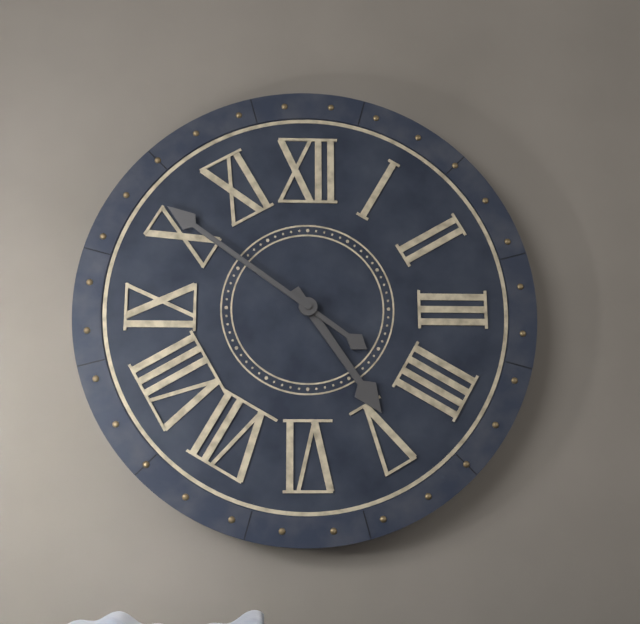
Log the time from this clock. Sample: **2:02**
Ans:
**4:51**
